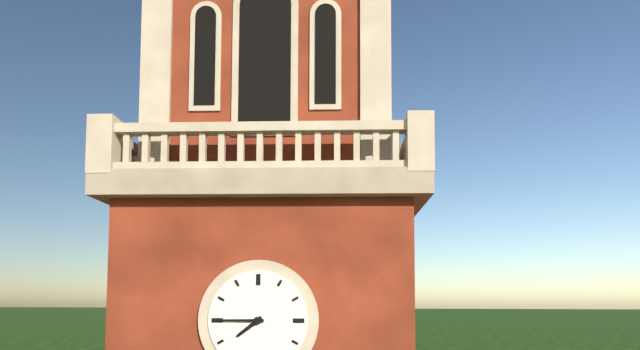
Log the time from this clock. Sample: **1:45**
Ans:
**7:45**
